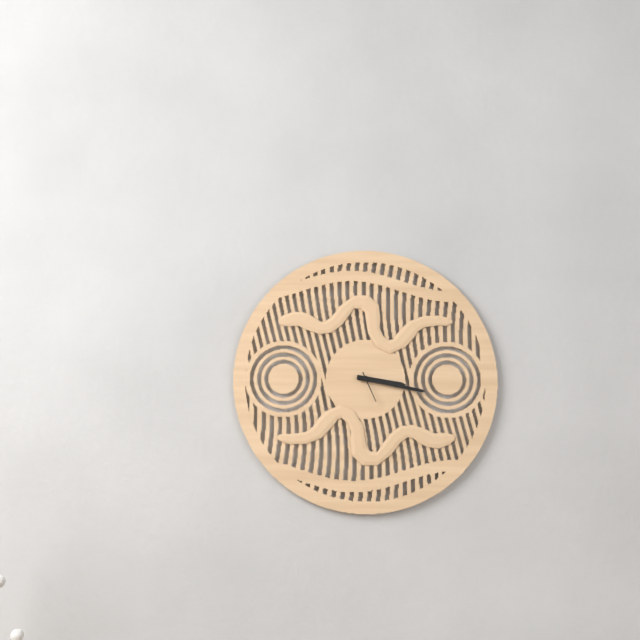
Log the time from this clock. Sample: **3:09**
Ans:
**3:17**
